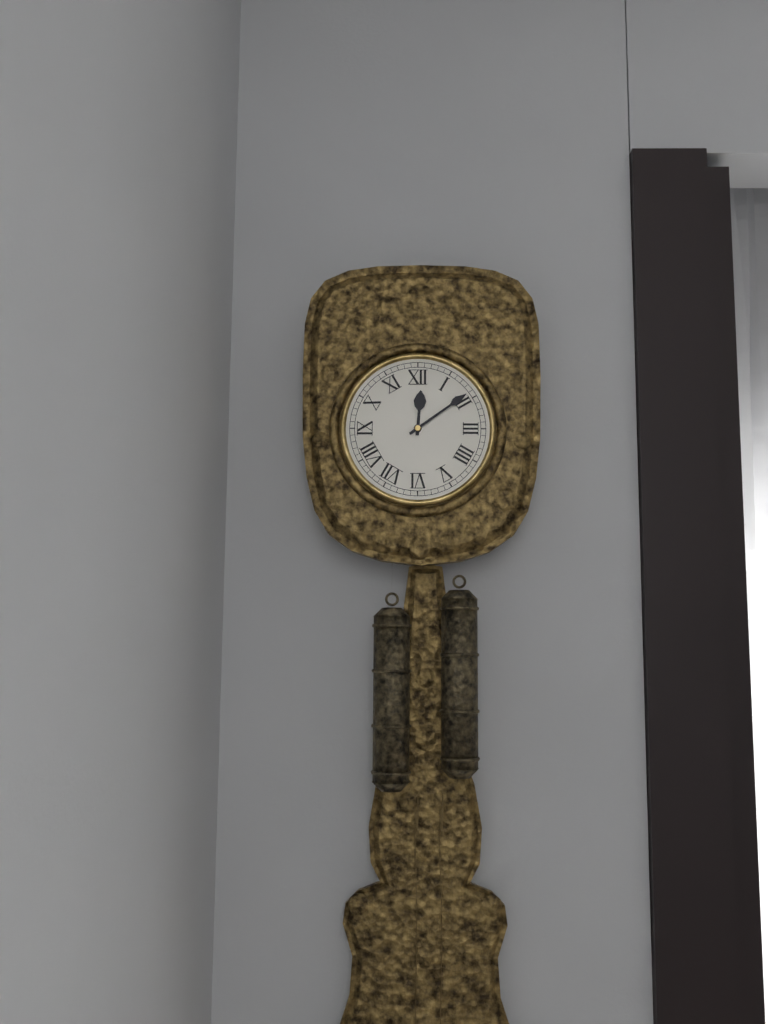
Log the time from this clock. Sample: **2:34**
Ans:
**12:09**
